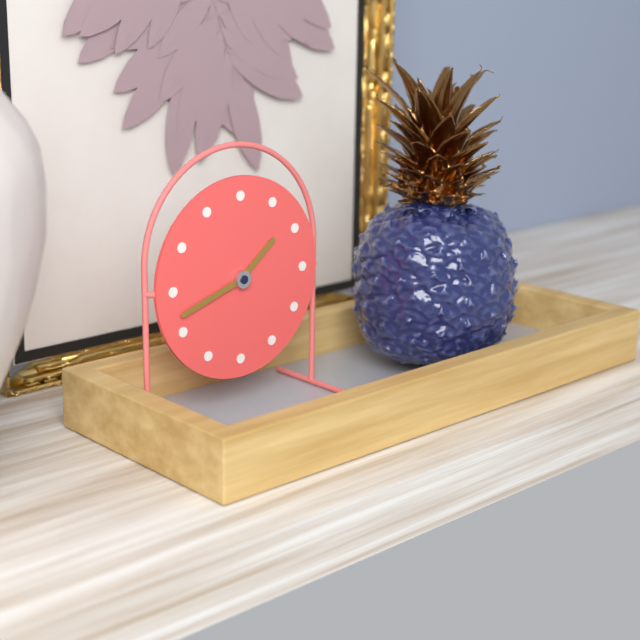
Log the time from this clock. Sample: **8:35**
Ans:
**1:42**
